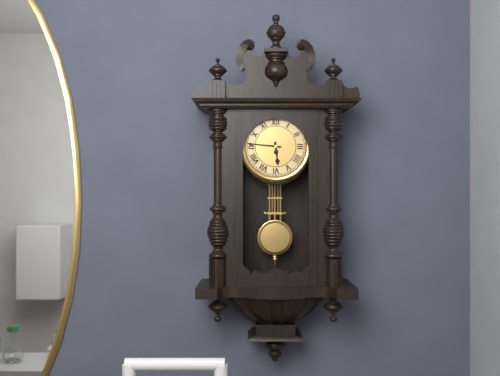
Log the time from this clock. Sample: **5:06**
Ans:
**5:46**
